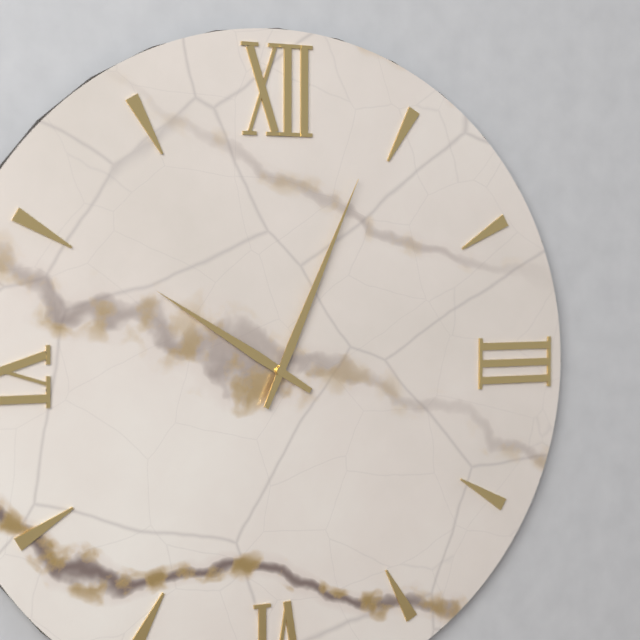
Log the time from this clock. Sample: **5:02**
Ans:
**10:04**
